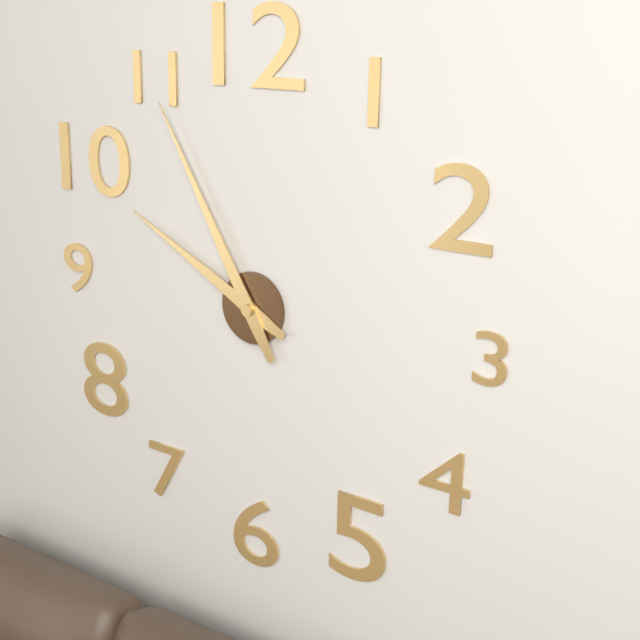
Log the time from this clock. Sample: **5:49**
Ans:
**9:55**
